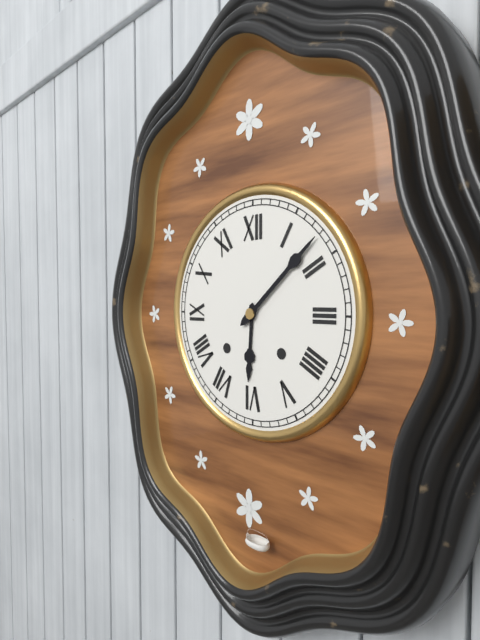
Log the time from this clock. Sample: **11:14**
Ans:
**6:08**
